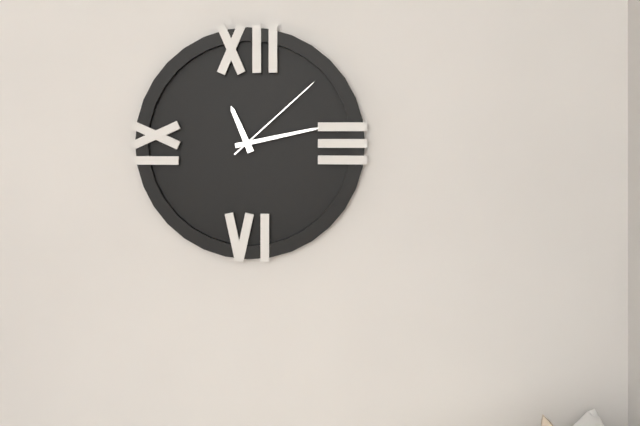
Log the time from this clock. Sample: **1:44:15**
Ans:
**11:13:08**
